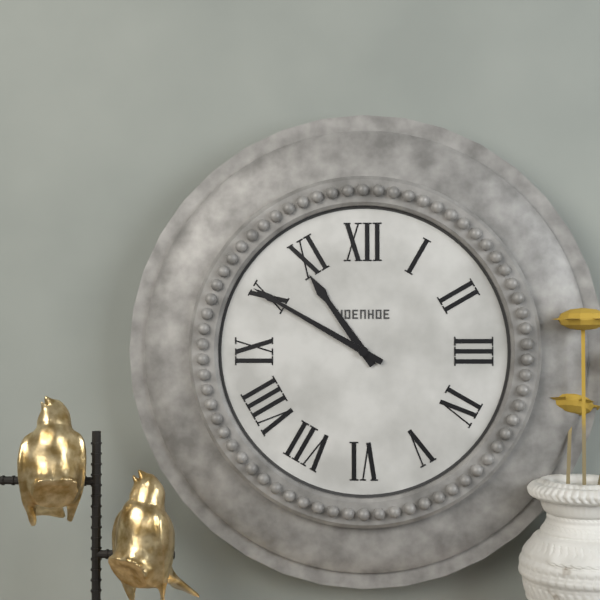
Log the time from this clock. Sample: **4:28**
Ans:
**10:50**
